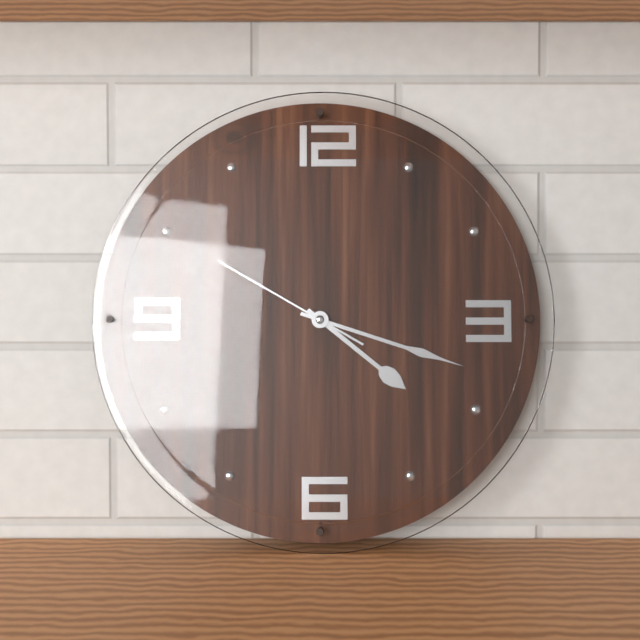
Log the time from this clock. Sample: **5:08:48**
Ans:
**4:18:50**
